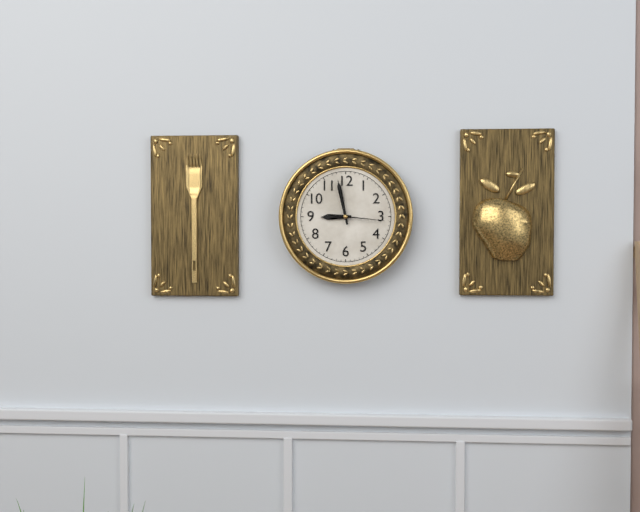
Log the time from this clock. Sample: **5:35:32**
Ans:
**8:58:16**
